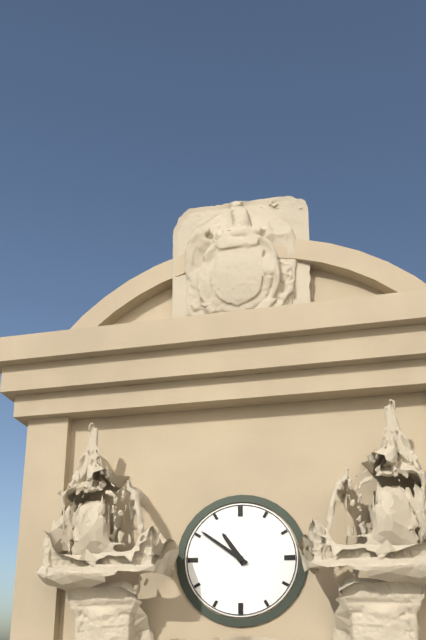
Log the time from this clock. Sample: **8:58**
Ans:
**10:51**
